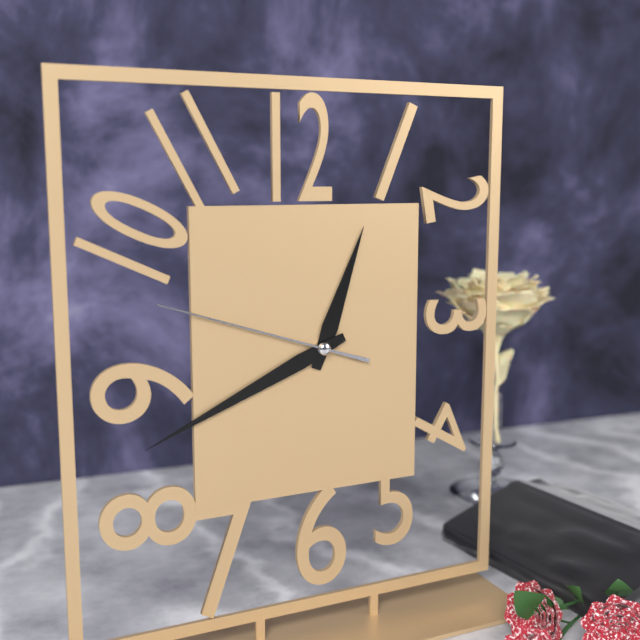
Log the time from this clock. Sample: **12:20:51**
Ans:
**12:41:48**
